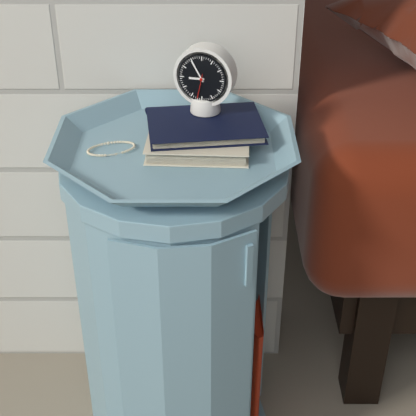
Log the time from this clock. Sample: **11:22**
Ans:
**8:55**
